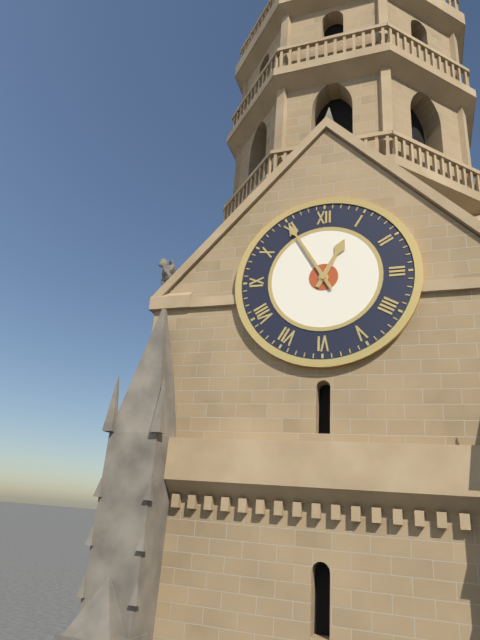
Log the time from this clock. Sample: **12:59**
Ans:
**12:55**
